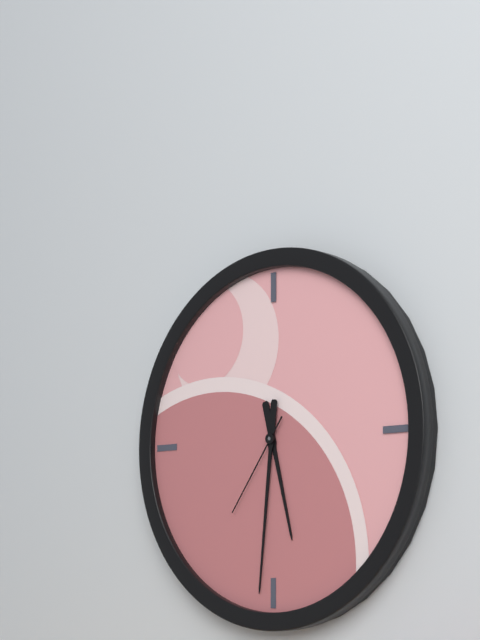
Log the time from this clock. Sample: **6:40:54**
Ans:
**5:31:36**
